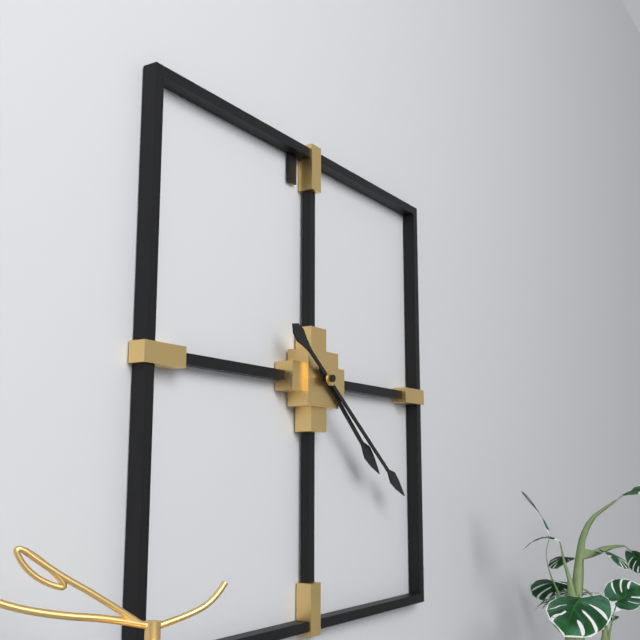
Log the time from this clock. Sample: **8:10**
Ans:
**4:21**
